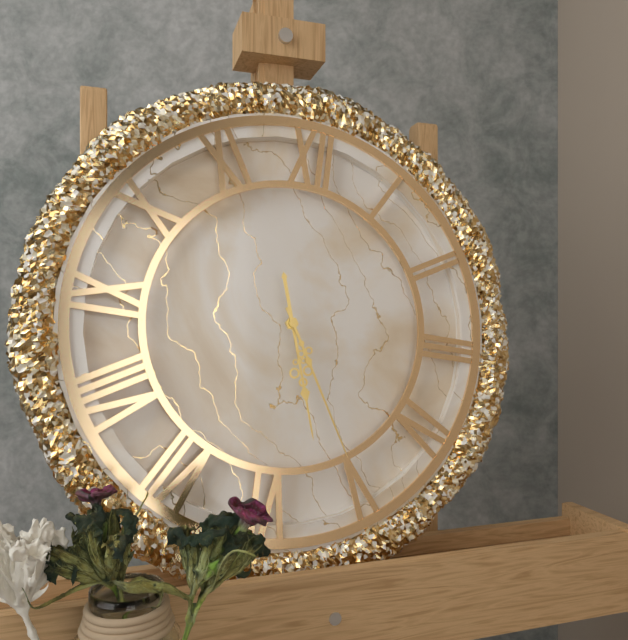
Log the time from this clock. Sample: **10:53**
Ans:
**5:25**
